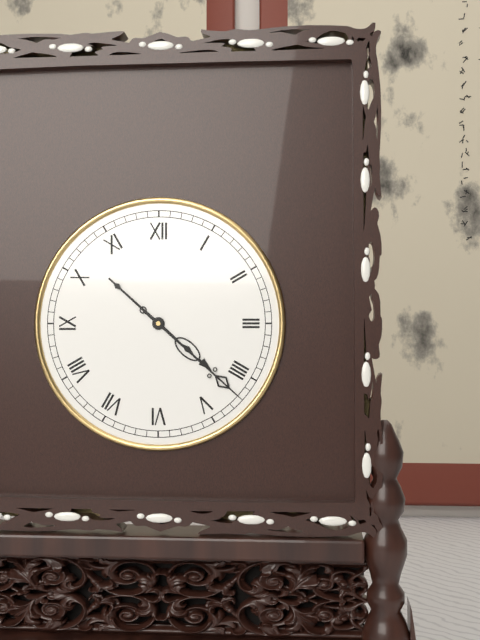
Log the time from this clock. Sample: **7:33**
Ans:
**4:22**
